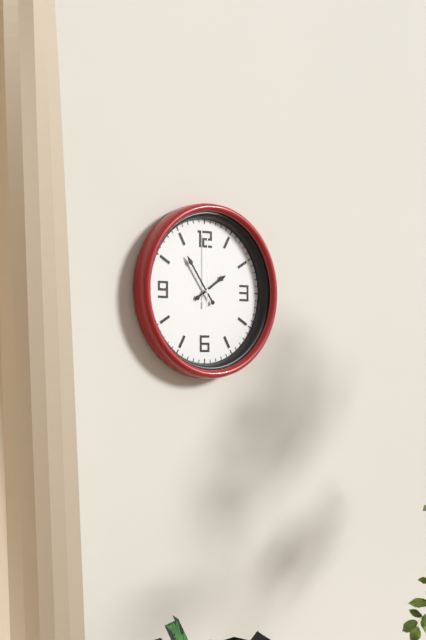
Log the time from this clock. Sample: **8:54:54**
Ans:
**1:54:00**
